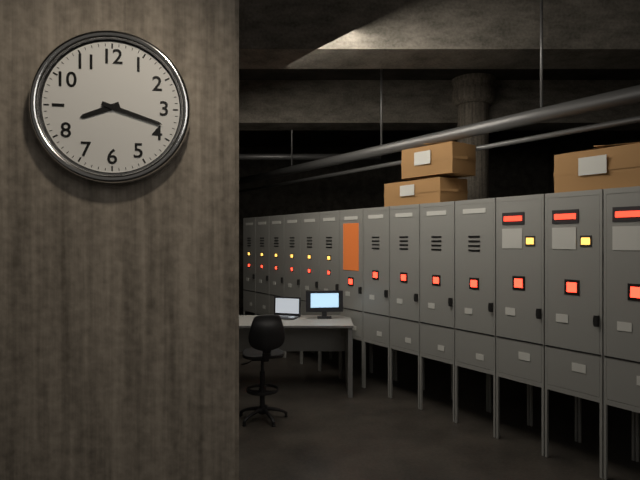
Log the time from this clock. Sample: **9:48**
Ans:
**8:18**
